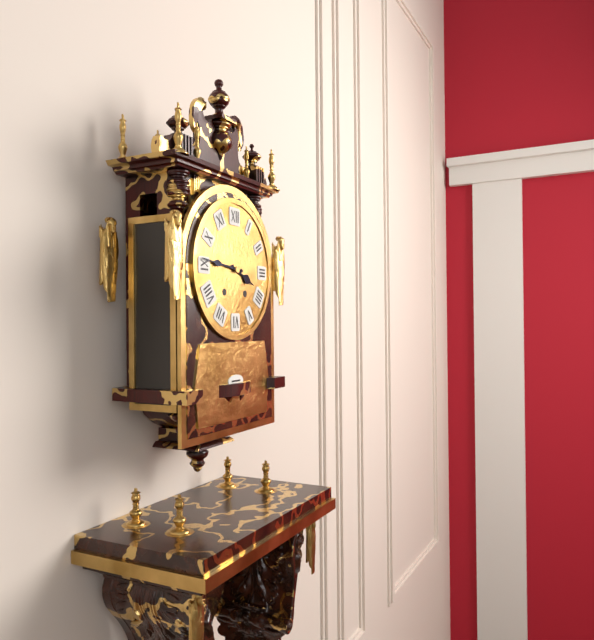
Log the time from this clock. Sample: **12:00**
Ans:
**3:46**
